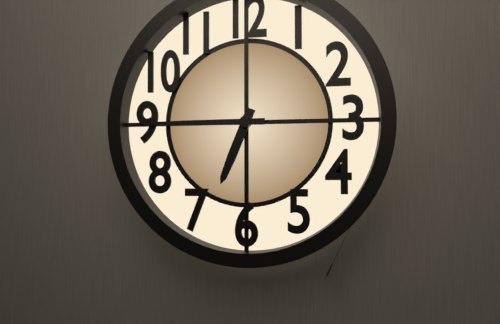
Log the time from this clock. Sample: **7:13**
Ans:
**6:45**
